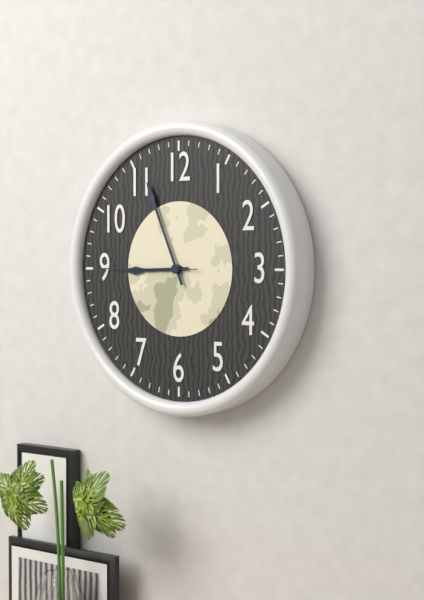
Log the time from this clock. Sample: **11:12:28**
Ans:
**8:56:45**
